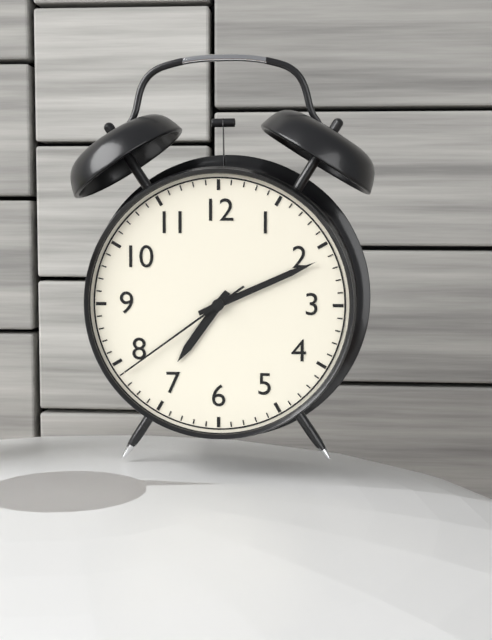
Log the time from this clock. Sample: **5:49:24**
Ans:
**7:11:39**
